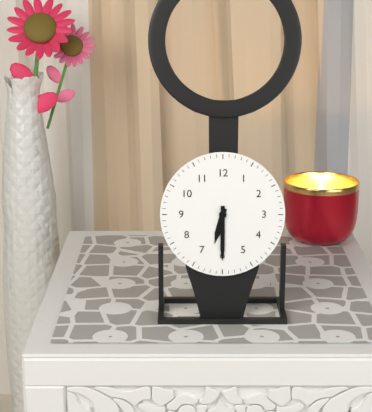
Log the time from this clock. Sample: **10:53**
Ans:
**6:30**
